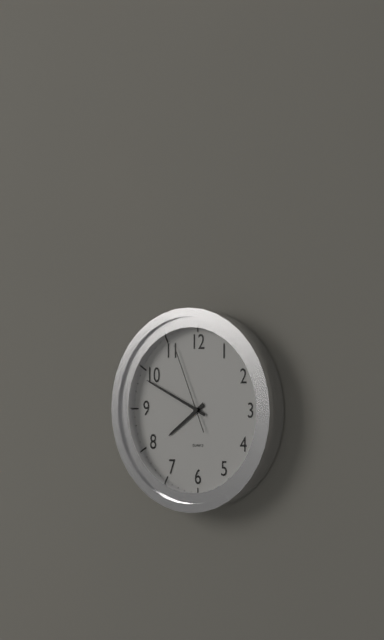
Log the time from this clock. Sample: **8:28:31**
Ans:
**7:49:56**
